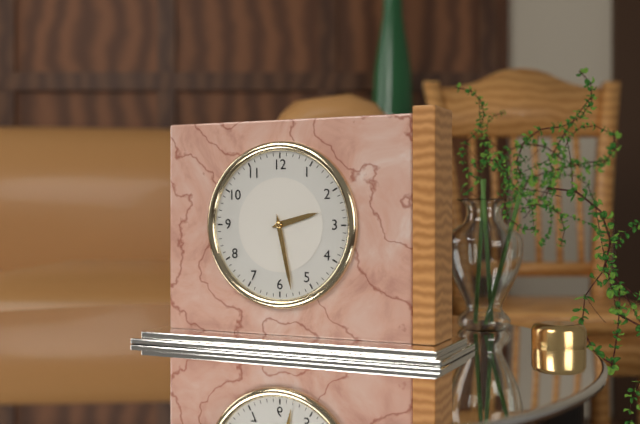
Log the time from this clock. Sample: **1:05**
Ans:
**2:28**
